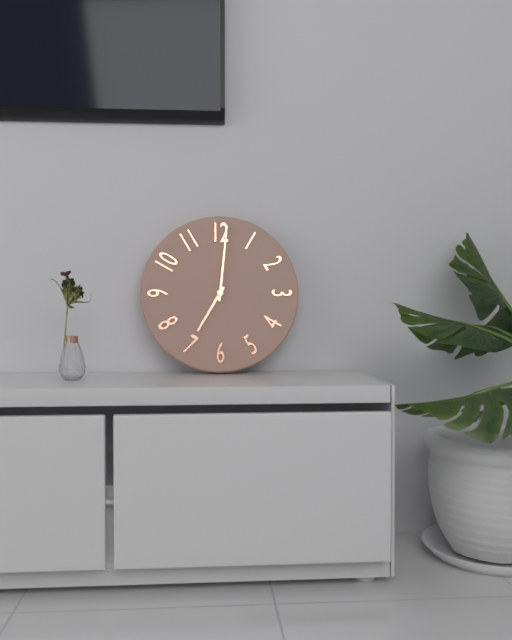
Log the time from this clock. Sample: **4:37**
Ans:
**7:01**
